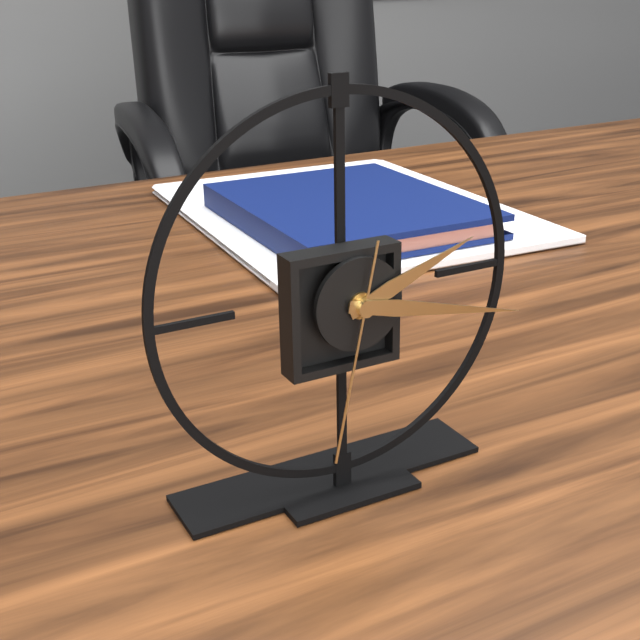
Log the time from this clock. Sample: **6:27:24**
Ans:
**2:17:32**
